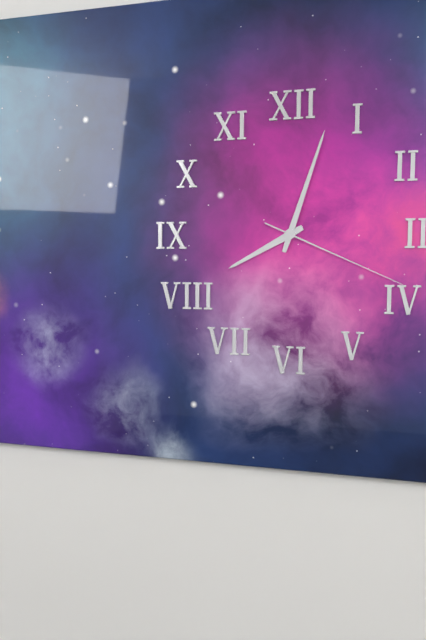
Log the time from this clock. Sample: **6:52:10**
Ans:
**8:03:19**
